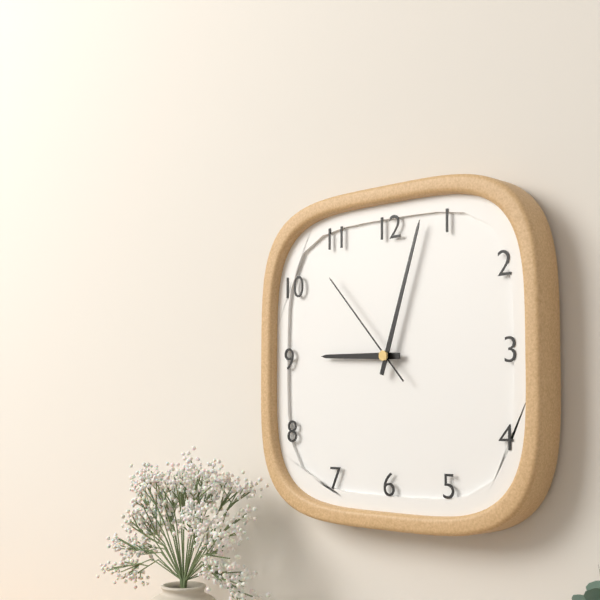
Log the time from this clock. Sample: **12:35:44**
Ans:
**9:03:53**
